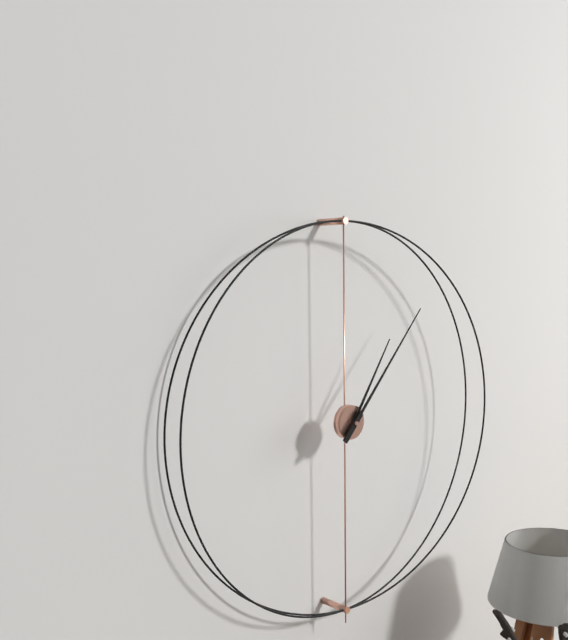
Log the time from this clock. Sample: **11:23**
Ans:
**1:07**
